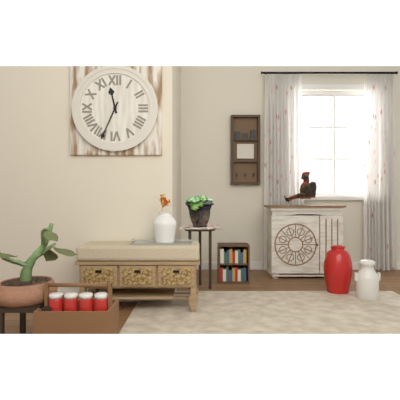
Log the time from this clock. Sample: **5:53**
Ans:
**11:34**
